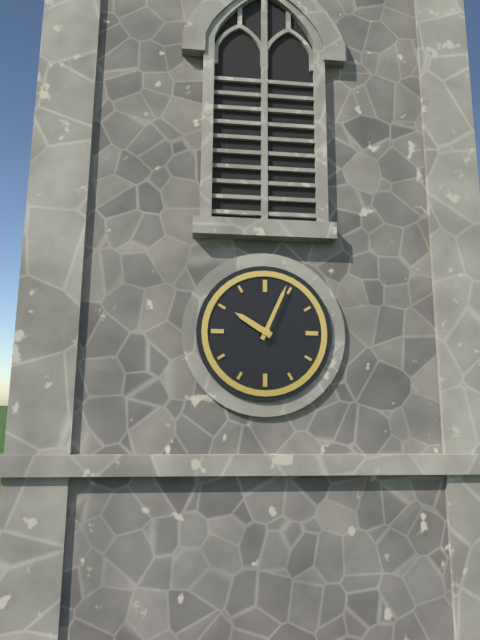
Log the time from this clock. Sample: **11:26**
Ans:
**10:04**
